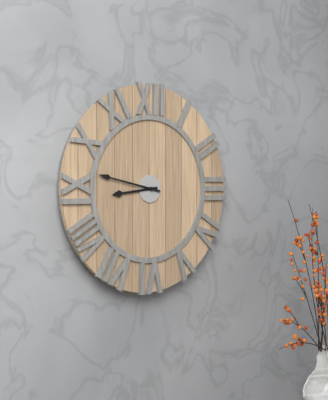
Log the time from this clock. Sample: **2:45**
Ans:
**8:47**
